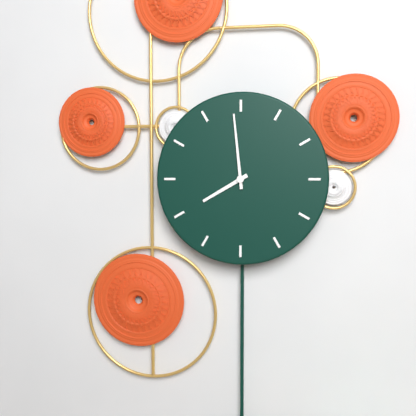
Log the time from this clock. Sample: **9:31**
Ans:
**7:59**
